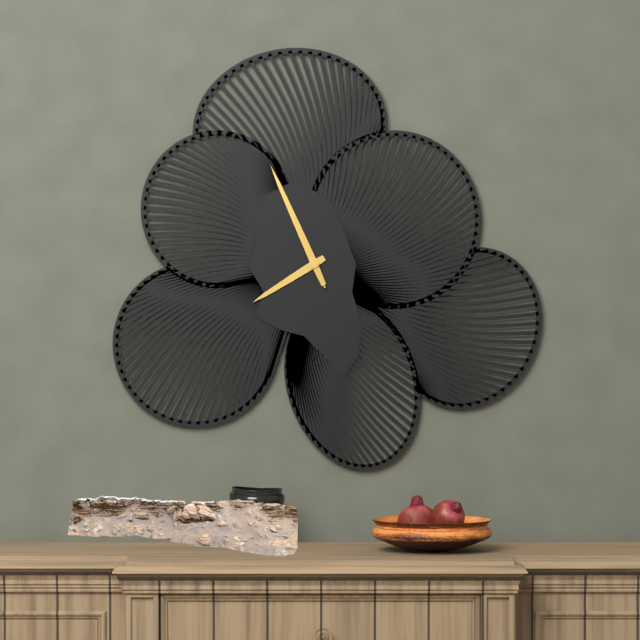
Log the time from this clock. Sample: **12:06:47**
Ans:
**7:56:56**
